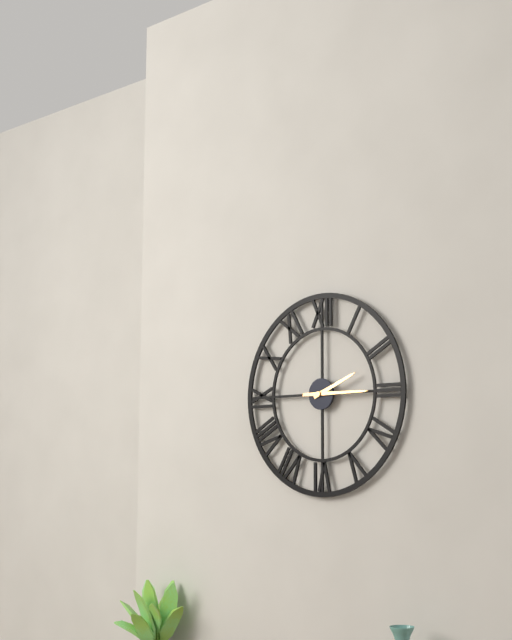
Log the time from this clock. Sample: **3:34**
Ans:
**2:15**
